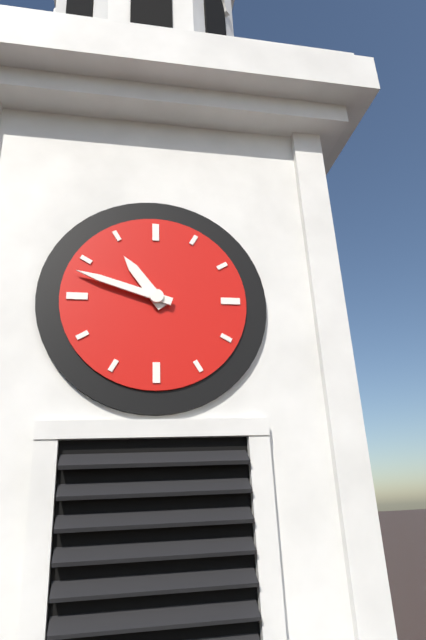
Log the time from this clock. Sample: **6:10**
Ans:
**10:48**
